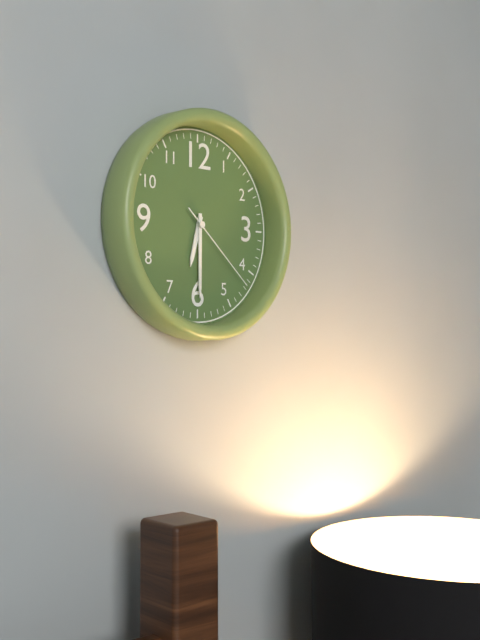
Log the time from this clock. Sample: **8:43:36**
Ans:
**6:30:22**
